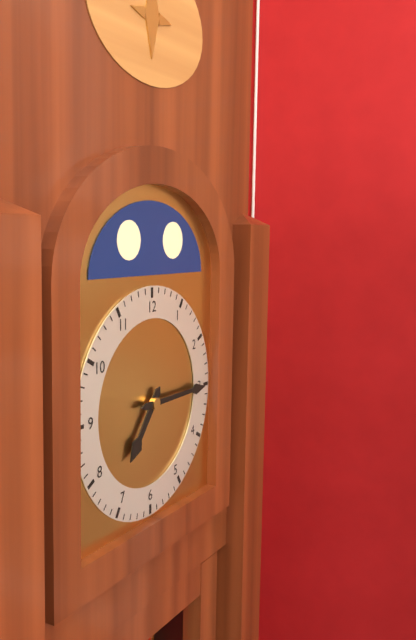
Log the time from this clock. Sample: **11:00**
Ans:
**7:15**
